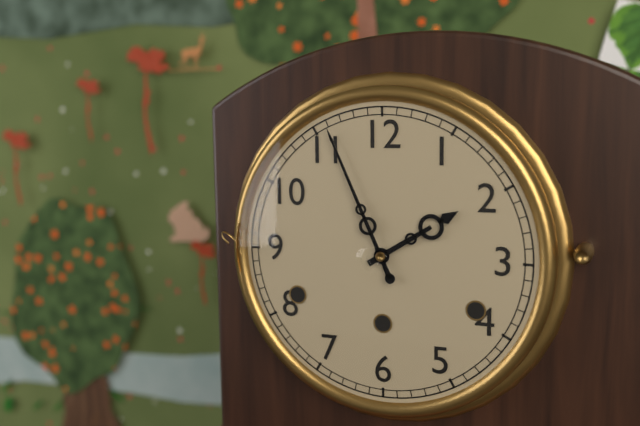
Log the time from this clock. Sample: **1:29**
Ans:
**1:56**
